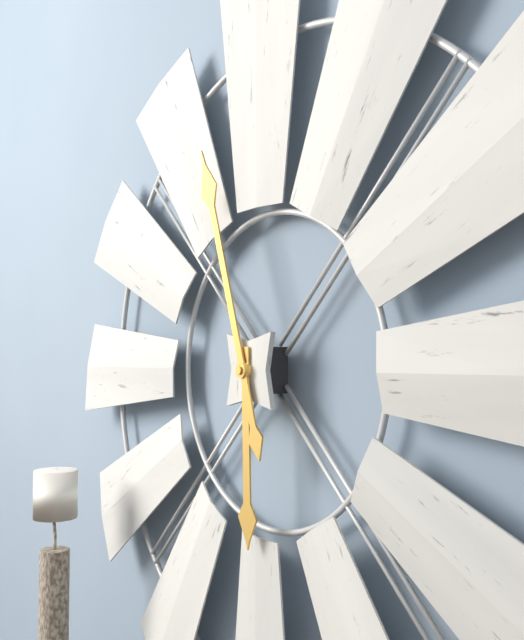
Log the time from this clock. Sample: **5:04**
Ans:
**5:57**
